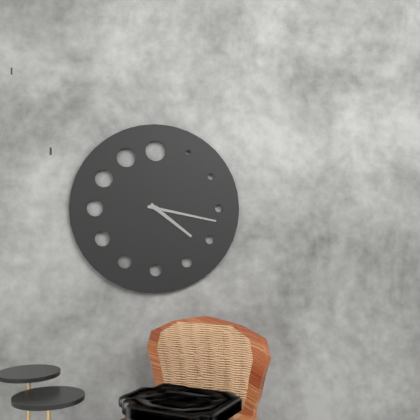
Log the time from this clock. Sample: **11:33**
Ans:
**4:17**
